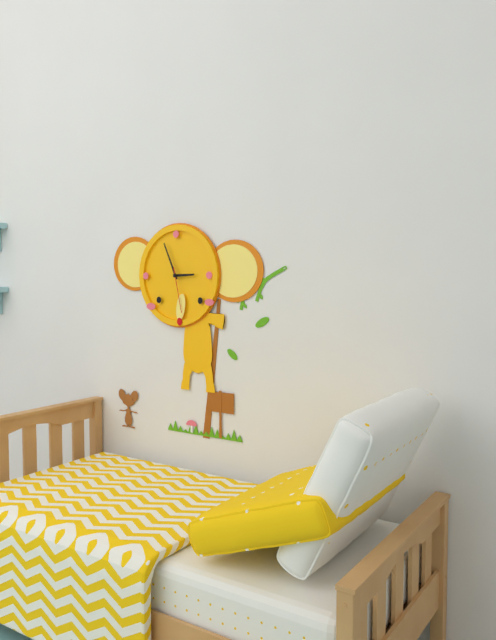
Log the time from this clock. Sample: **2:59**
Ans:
**2:56**
